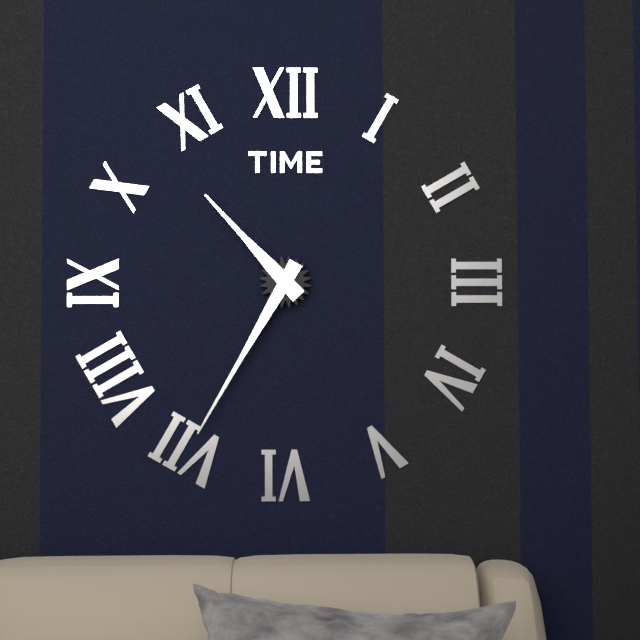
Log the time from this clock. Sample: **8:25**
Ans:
**10:35**
